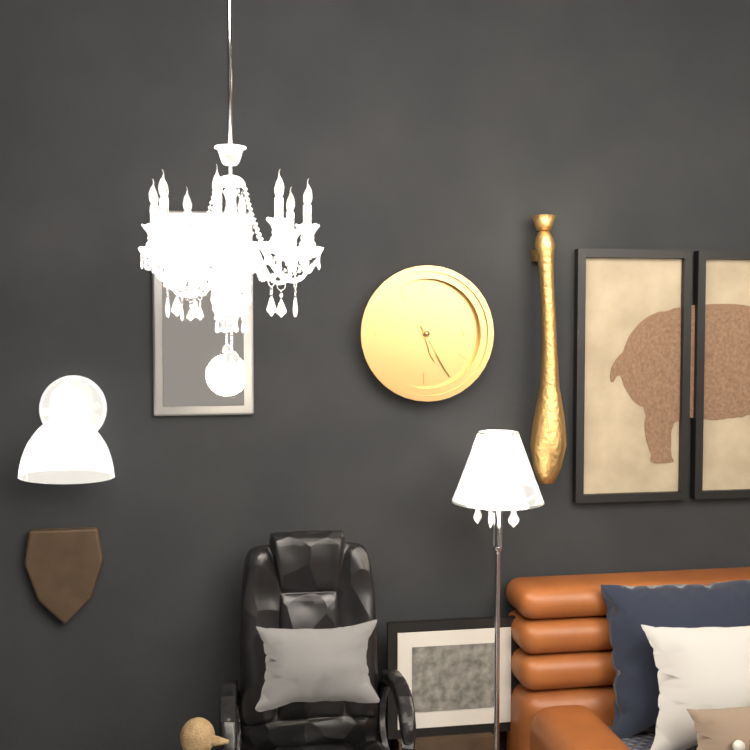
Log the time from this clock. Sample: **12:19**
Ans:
**5:25**
